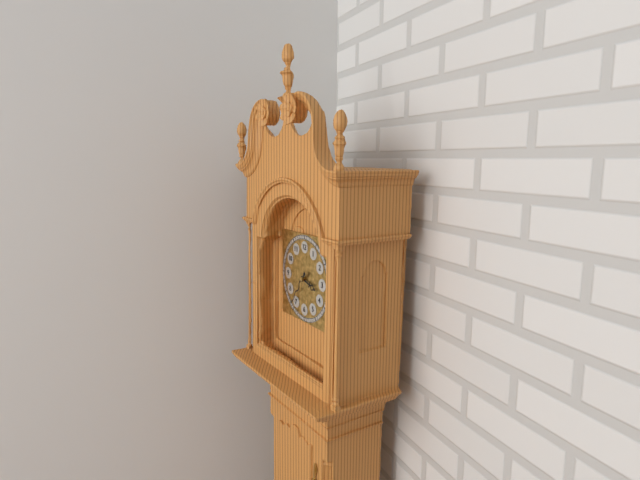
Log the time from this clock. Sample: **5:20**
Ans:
**3:36**
